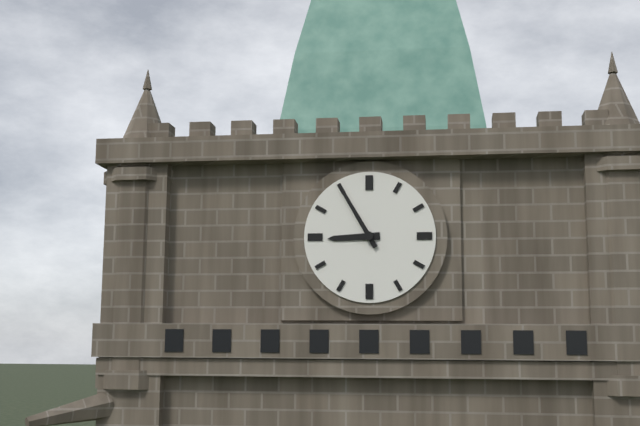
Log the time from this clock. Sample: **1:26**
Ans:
**8:55**
